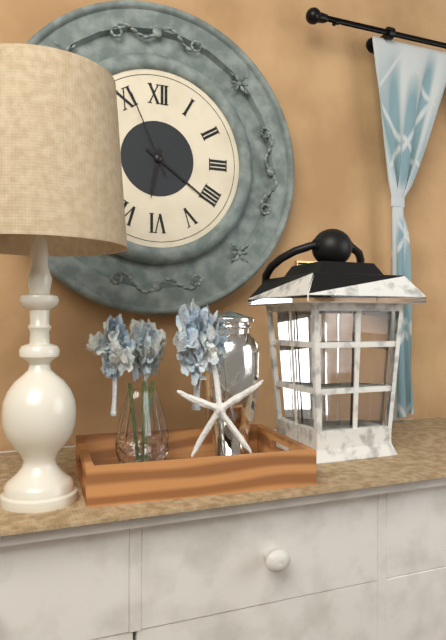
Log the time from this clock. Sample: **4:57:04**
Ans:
**6:21:56**
